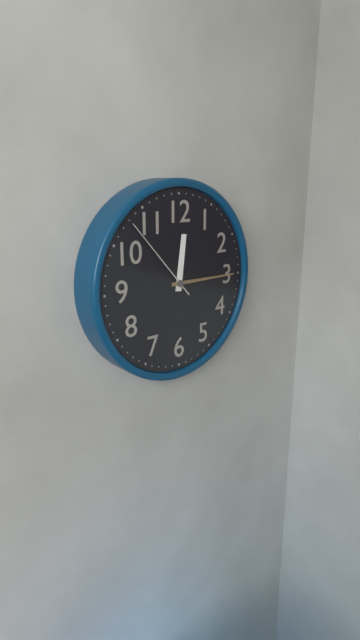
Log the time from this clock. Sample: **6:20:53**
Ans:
**12:15:53**
